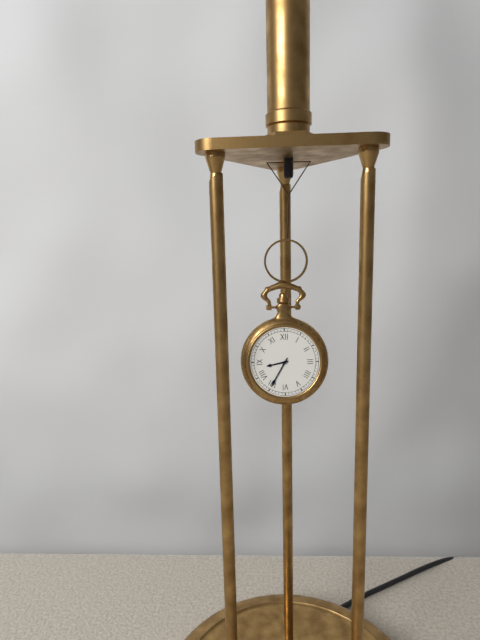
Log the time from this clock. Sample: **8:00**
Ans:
**8:35**
